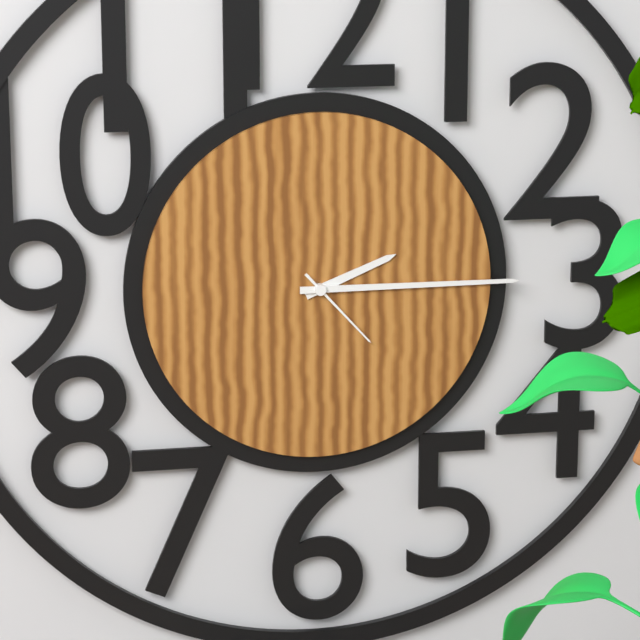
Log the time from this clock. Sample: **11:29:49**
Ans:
**2:15:23**
